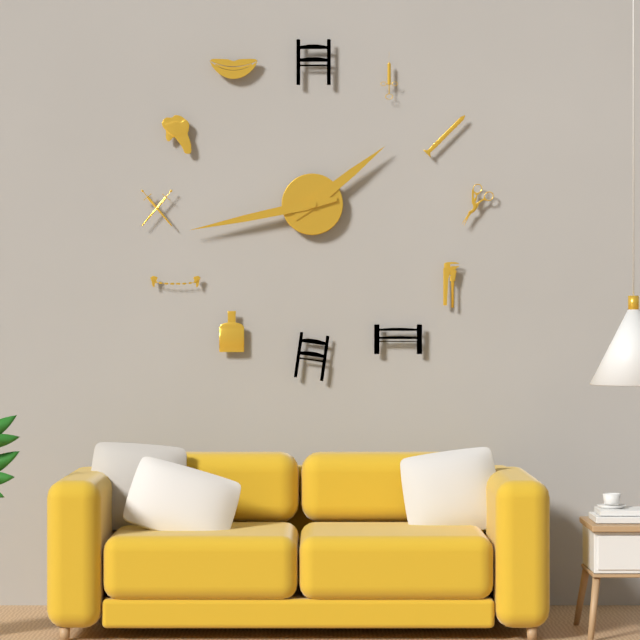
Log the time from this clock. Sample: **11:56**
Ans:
**1:43**
